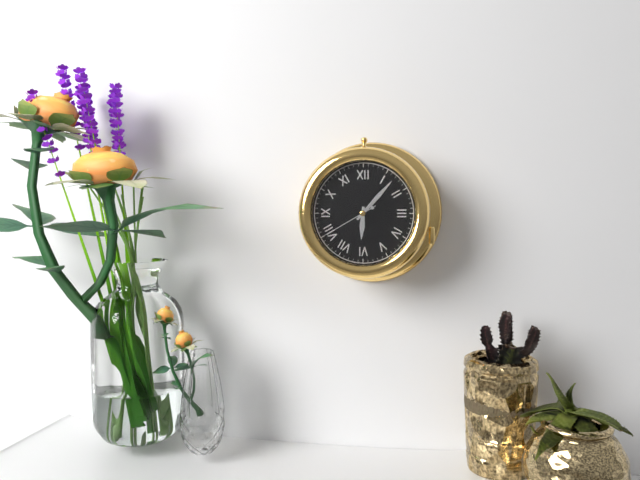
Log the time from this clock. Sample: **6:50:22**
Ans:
**6:07:40**
